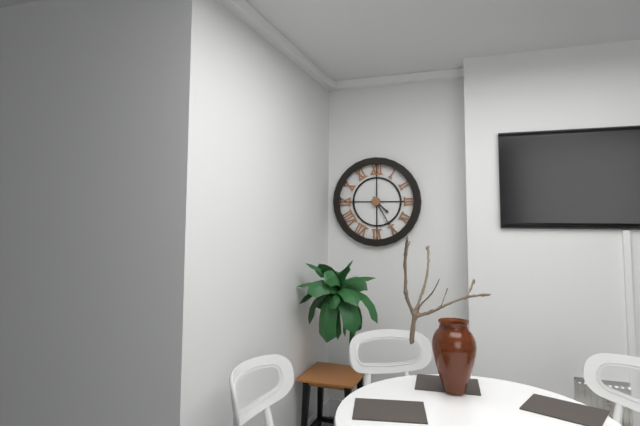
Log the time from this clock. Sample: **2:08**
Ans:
**4:25**
